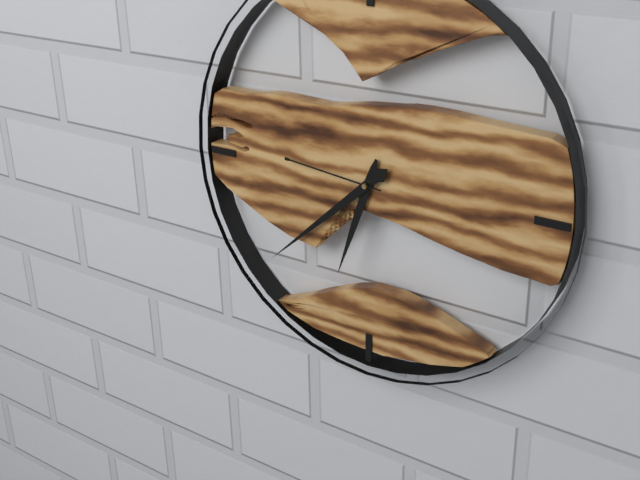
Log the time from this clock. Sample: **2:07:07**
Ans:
**6:38:46**
